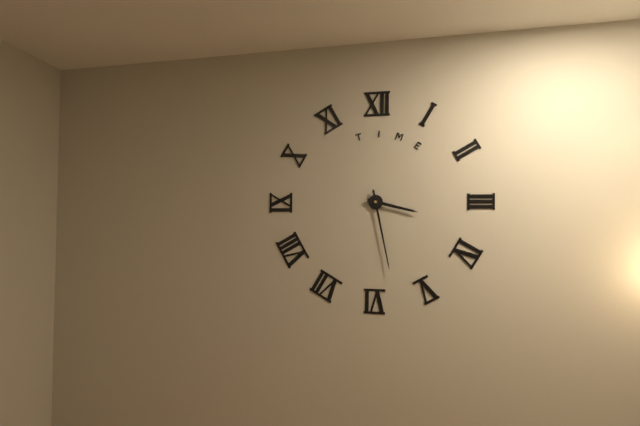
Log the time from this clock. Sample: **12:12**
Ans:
**3:28**
